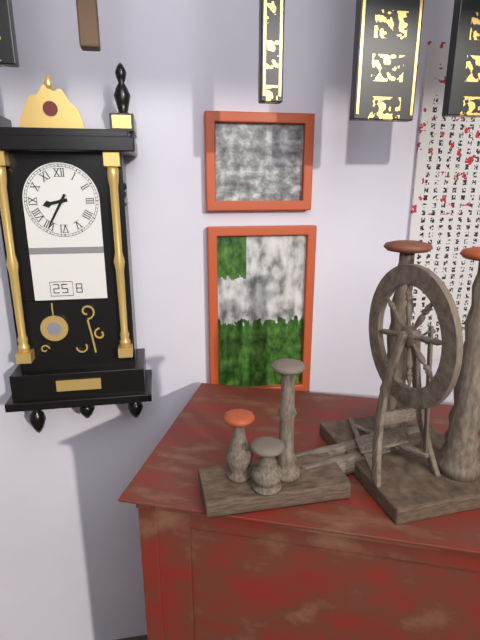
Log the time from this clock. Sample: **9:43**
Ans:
**8:35**
